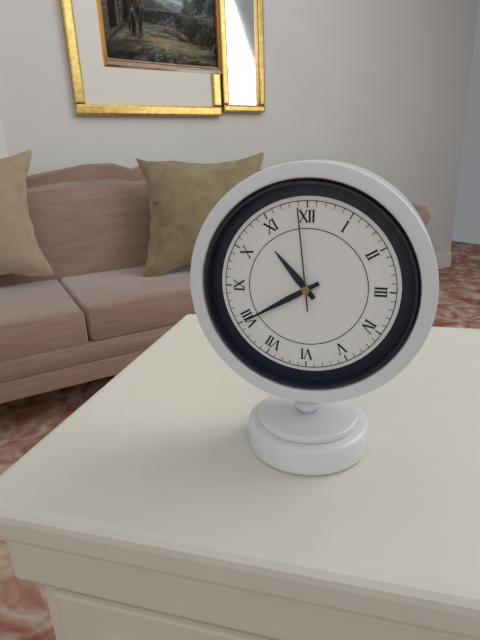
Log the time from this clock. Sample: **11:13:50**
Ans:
**10:40:59**
